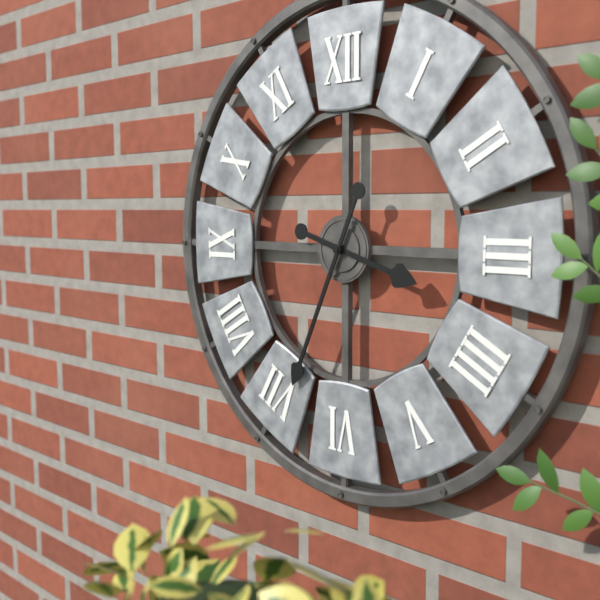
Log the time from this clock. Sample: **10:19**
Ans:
**3:34**
